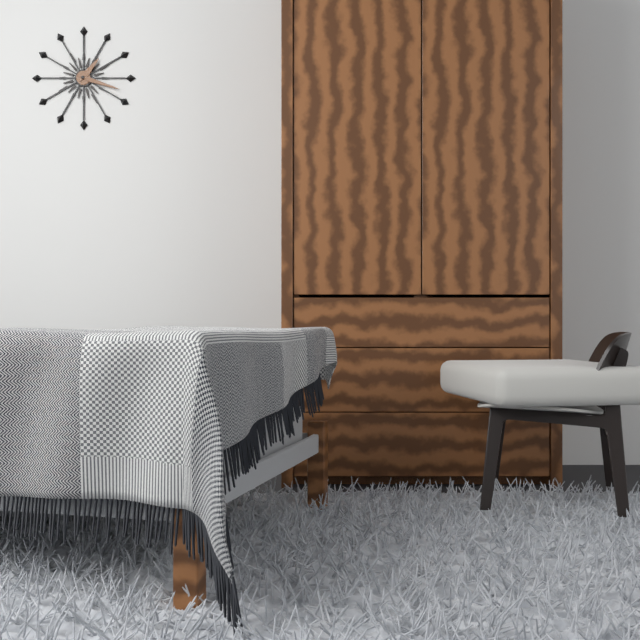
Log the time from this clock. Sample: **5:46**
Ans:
**1:18**
